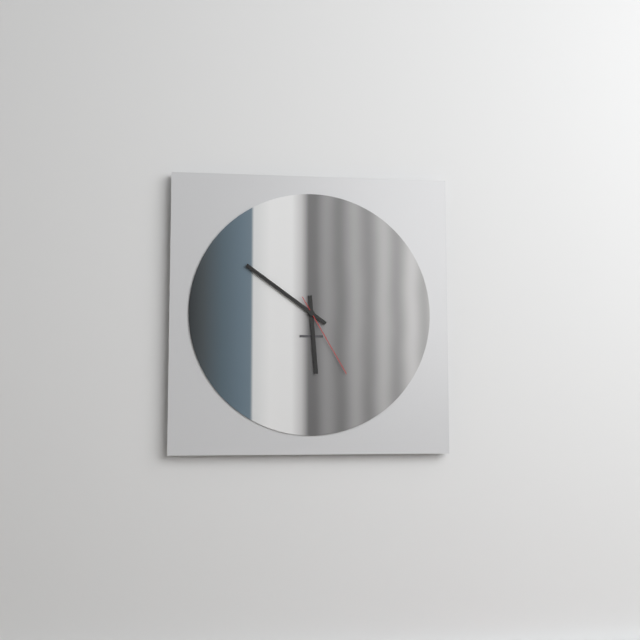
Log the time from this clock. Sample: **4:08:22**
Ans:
**5:51:25**
